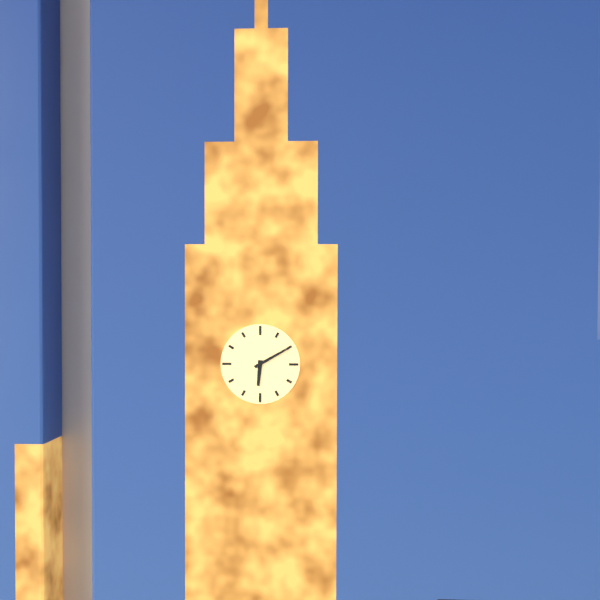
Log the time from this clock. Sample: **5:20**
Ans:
**6:10**
